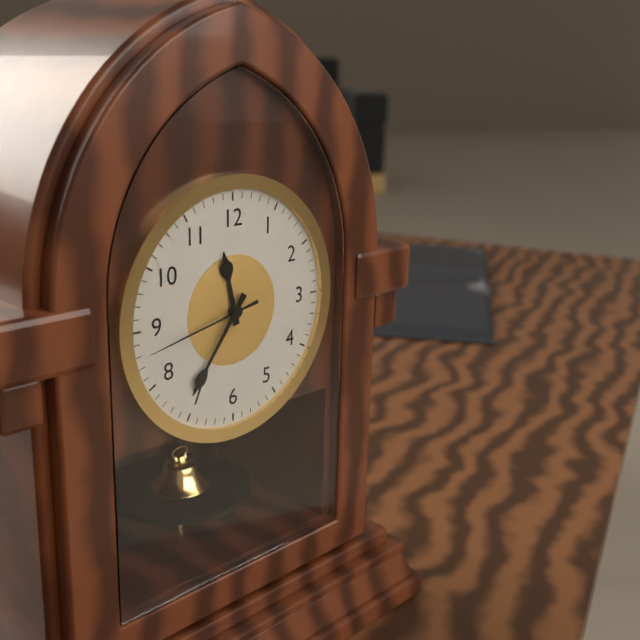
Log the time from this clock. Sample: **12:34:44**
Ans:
**11:36:43**
